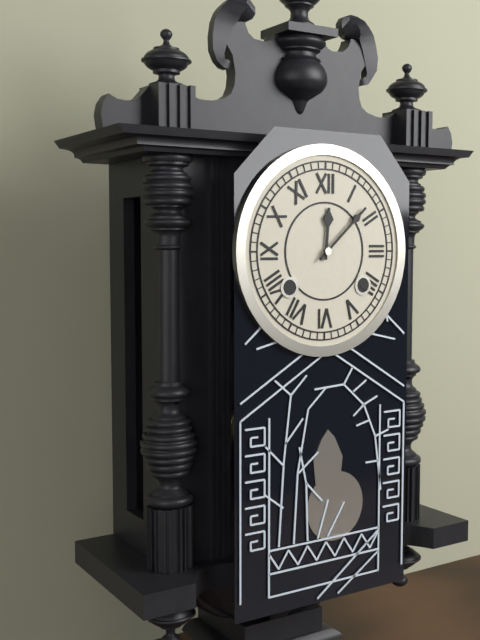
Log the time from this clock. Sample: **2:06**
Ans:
**12:08**
